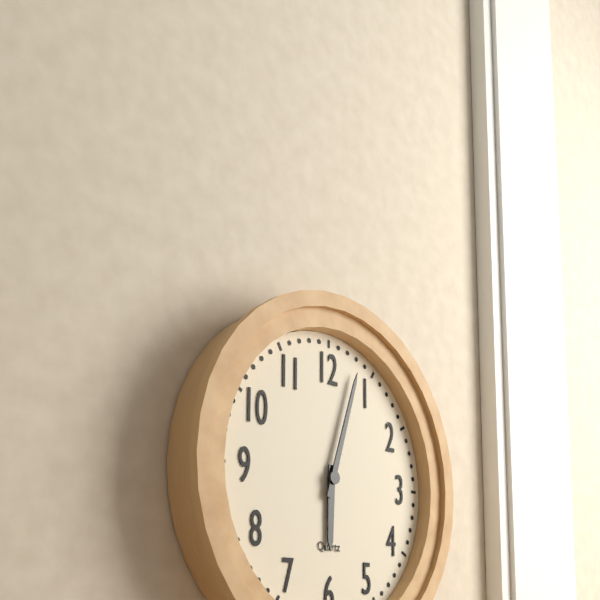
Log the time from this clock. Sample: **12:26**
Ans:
**6:03**
